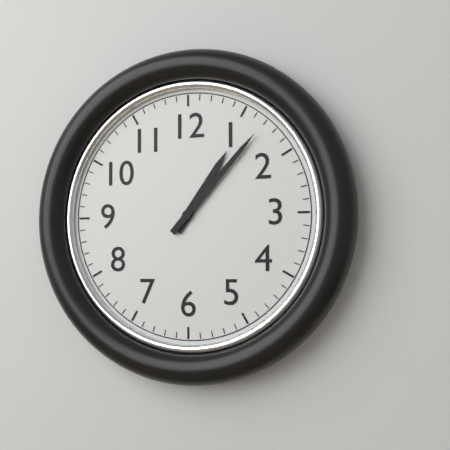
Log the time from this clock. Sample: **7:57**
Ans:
**1:07**
